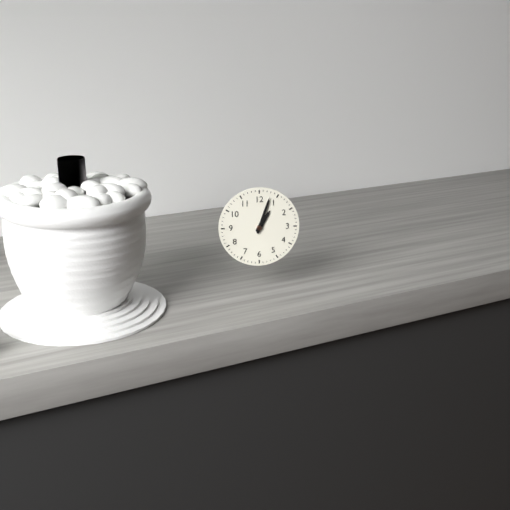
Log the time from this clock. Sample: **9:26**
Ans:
**1:03**
